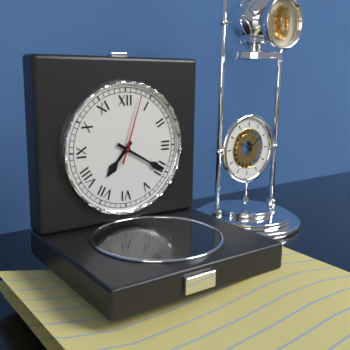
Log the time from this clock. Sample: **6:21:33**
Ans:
**7:20:03**
